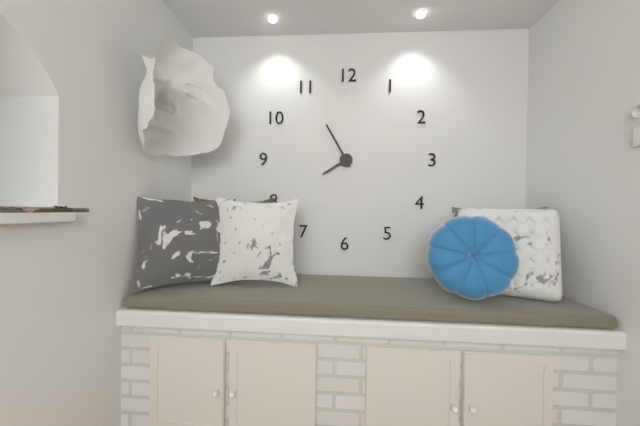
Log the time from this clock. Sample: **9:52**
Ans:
**7:55**
